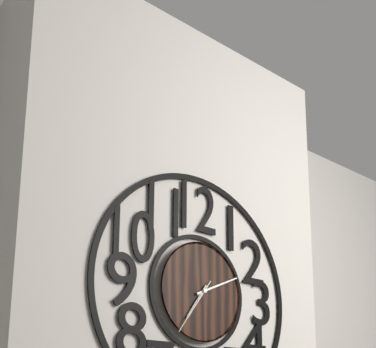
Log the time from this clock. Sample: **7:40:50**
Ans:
**7:11:36**
